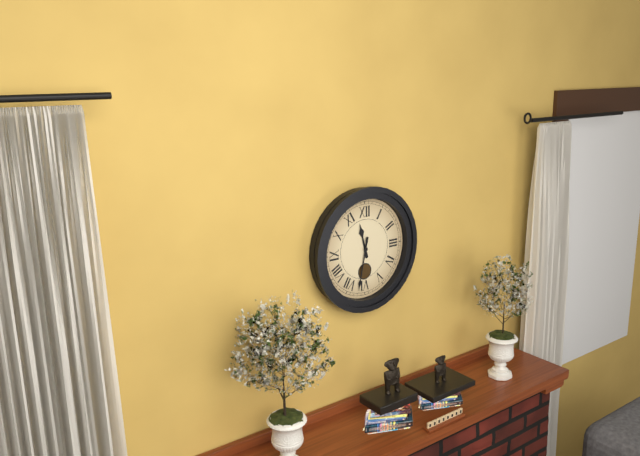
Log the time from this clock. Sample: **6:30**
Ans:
**11:32**
